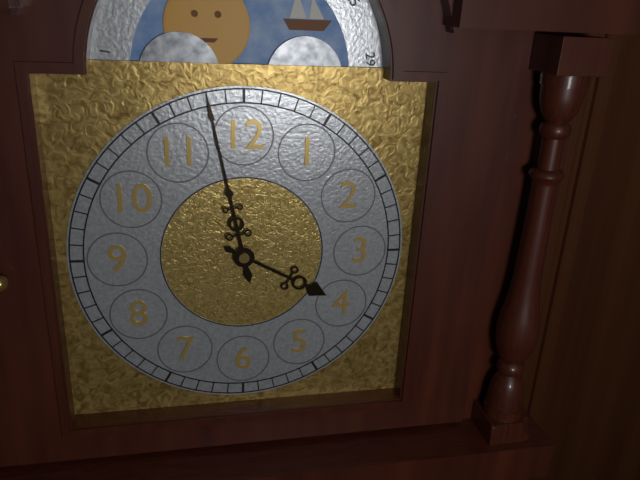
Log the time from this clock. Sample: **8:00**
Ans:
**3:58**
